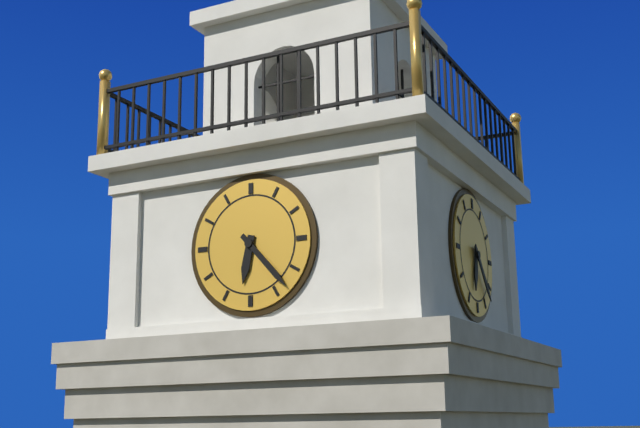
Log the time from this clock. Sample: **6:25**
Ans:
**6:23**
